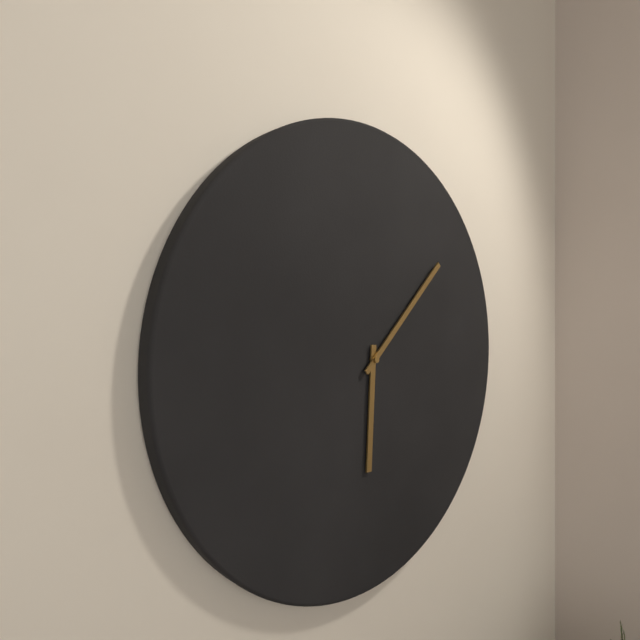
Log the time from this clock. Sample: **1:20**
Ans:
**6:08**
